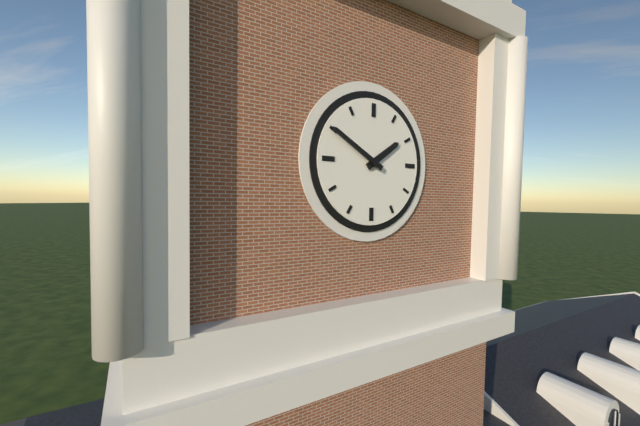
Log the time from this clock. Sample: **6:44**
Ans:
**1:50**
